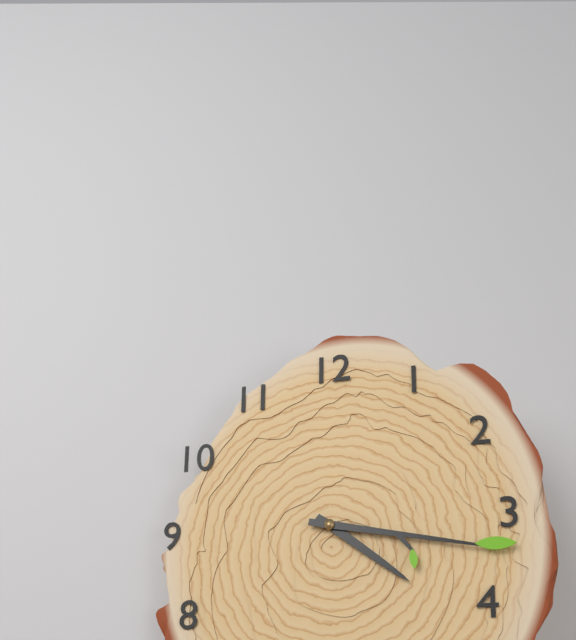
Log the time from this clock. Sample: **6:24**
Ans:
**4:17**
